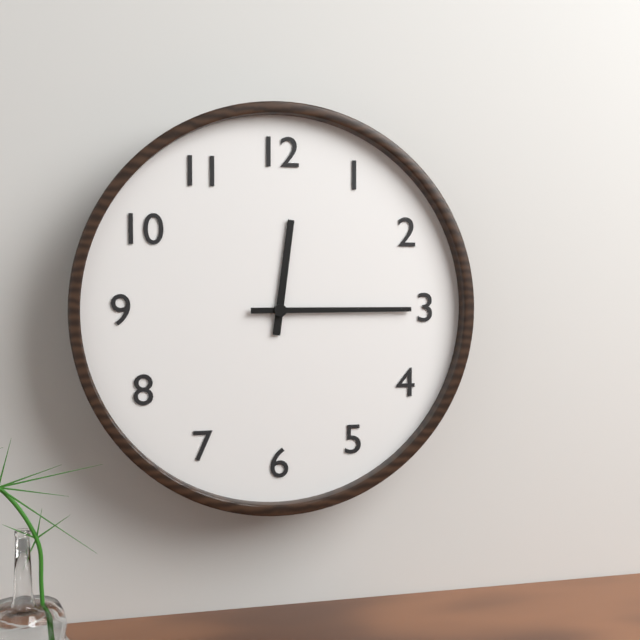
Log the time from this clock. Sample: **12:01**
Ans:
**12:15**
